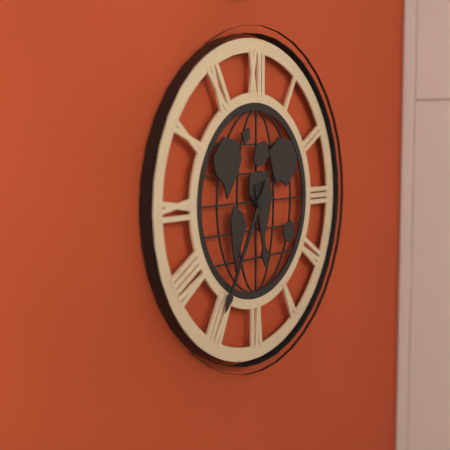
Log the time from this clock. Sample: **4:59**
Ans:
**5:35**
